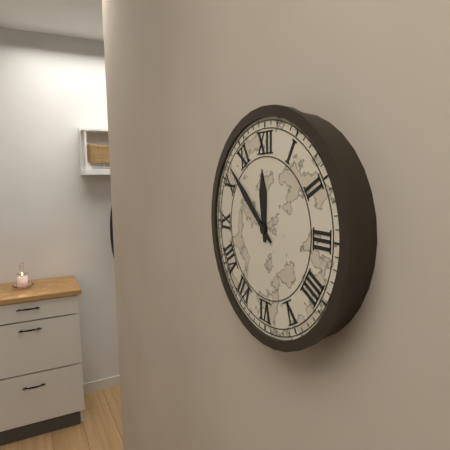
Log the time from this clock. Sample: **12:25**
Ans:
**11:52**
